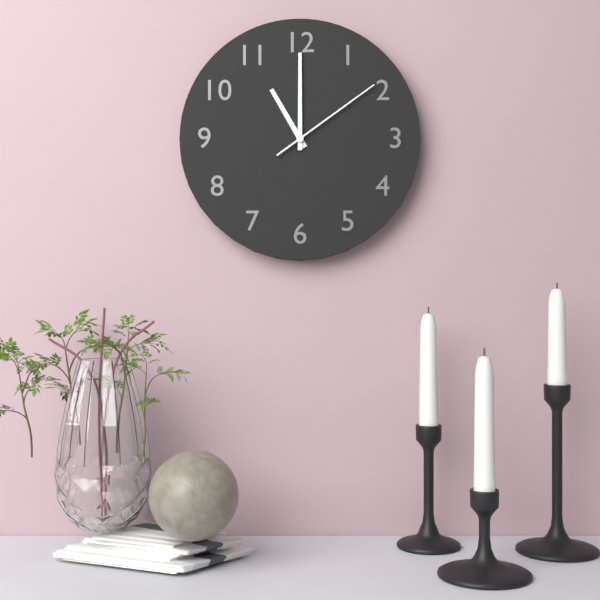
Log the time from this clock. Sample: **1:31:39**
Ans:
**11:00:09**
